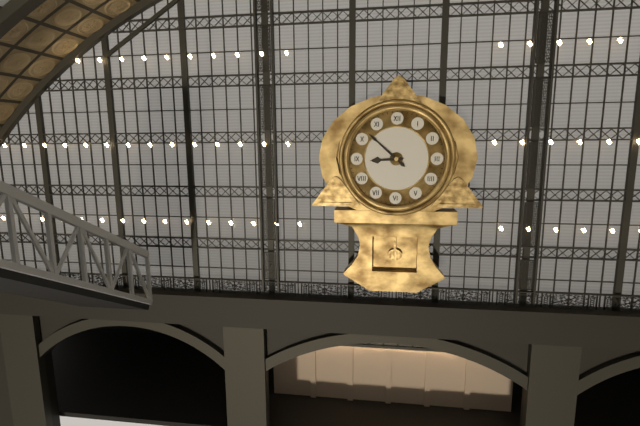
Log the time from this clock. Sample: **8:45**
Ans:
**8:52**
